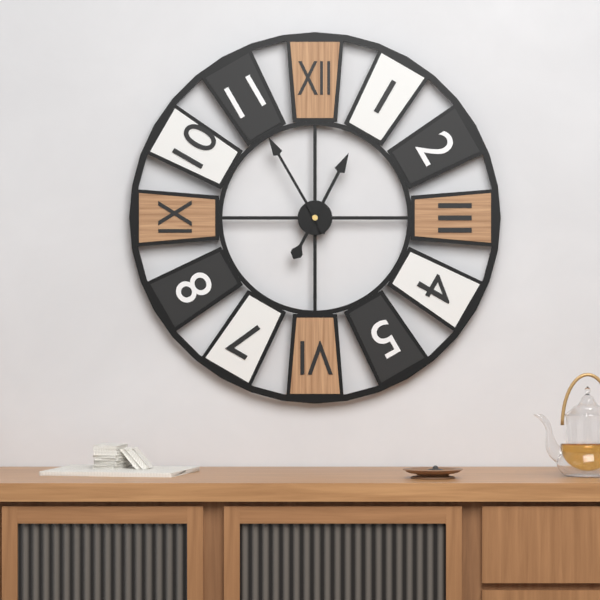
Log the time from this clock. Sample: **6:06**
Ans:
**12:55**
